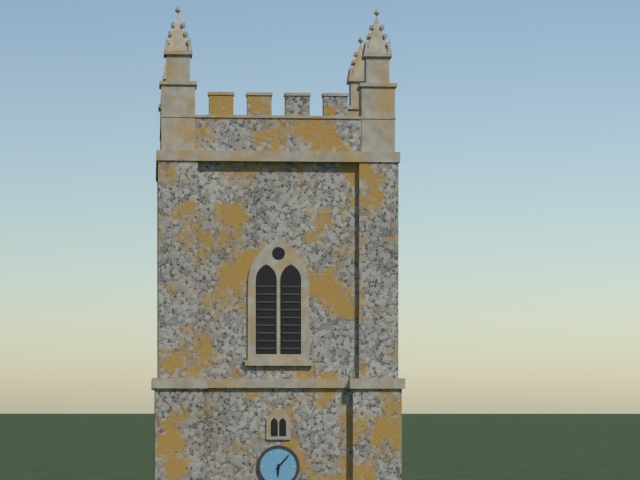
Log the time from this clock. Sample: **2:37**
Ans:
**6:07**
